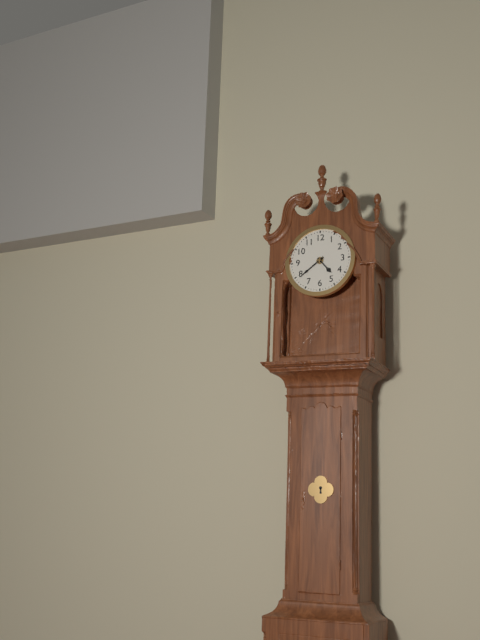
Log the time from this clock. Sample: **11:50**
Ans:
**4:39**
